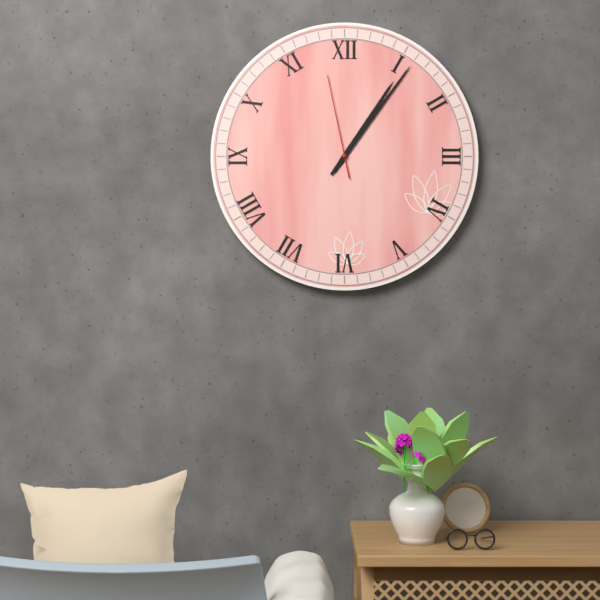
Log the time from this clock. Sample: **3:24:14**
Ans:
**1:06:58**
